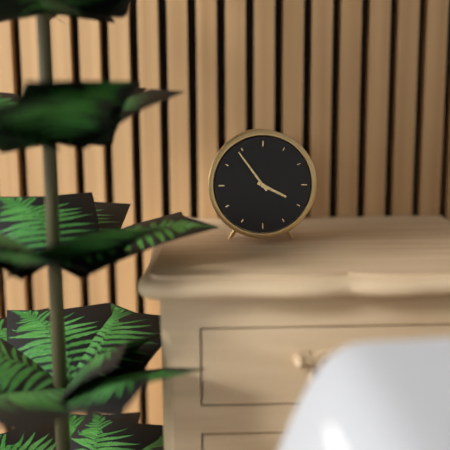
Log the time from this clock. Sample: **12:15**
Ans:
**3:54**
